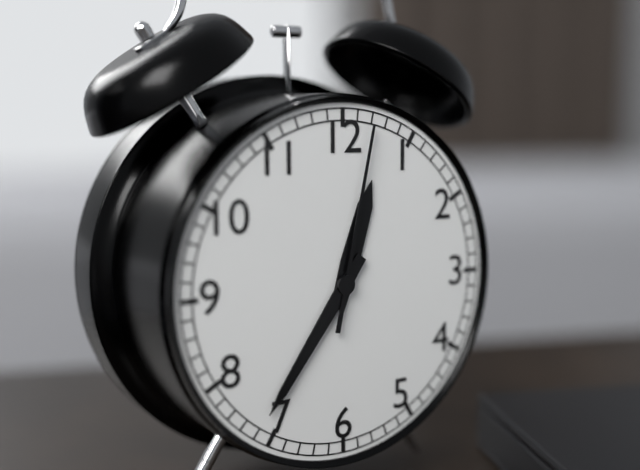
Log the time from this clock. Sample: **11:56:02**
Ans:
**12:36:02**
